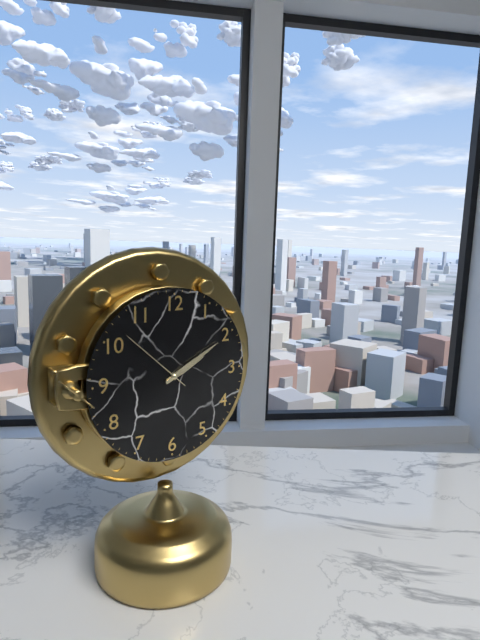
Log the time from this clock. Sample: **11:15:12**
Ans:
**2:10:52**
